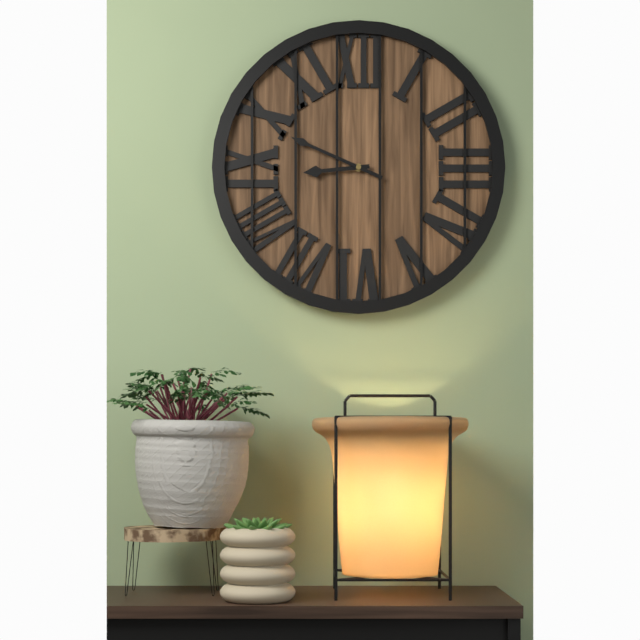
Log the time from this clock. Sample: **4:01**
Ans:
**8:49**
